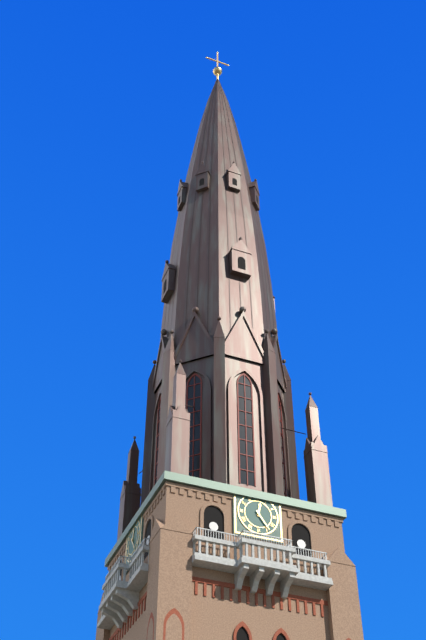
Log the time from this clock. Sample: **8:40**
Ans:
**12:24**
